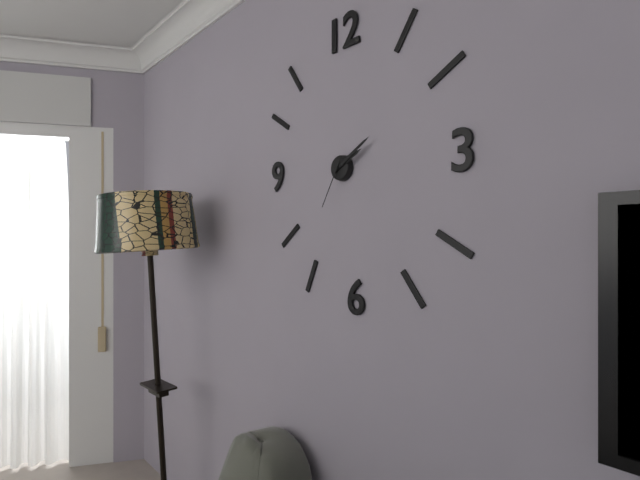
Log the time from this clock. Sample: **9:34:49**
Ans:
**2:10:35**
